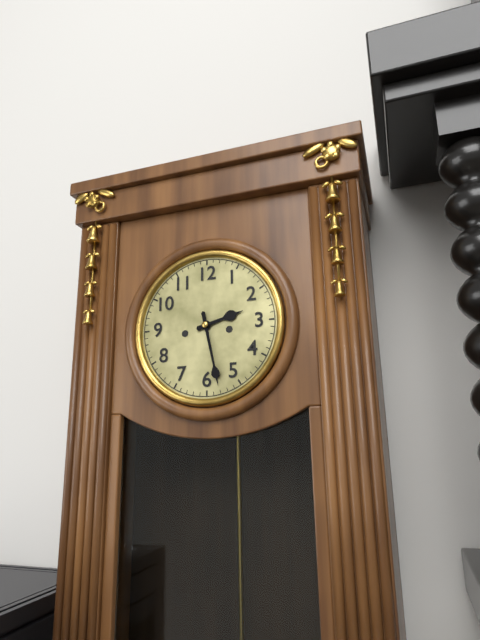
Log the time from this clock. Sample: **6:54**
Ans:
**2:28**
